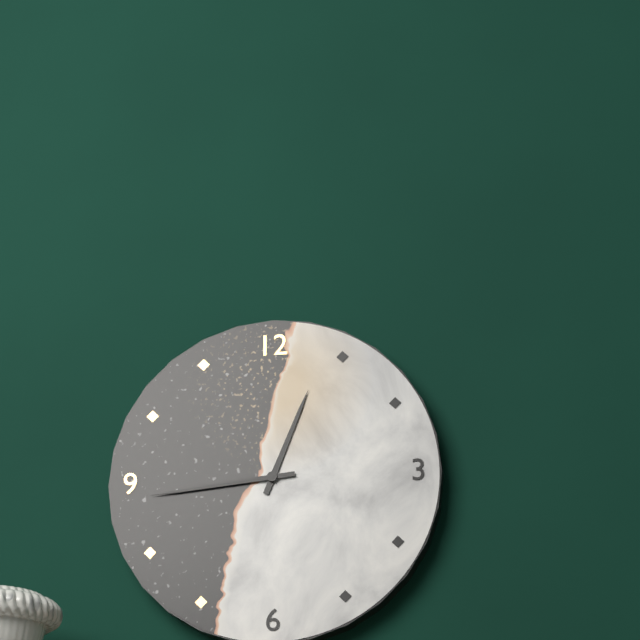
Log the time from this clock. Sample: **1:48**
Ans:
**12:44**
